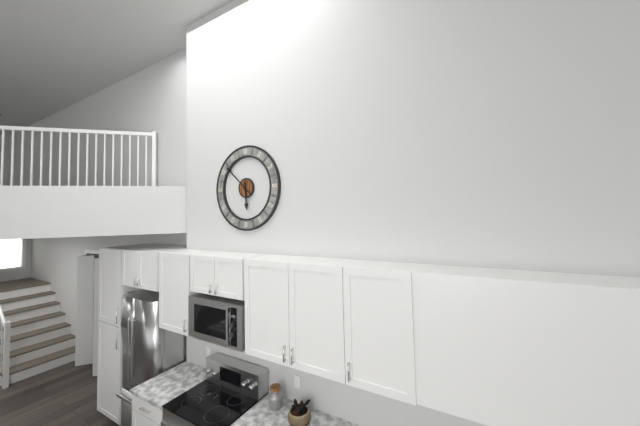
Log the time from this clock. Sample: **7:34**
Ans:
**5:52**
